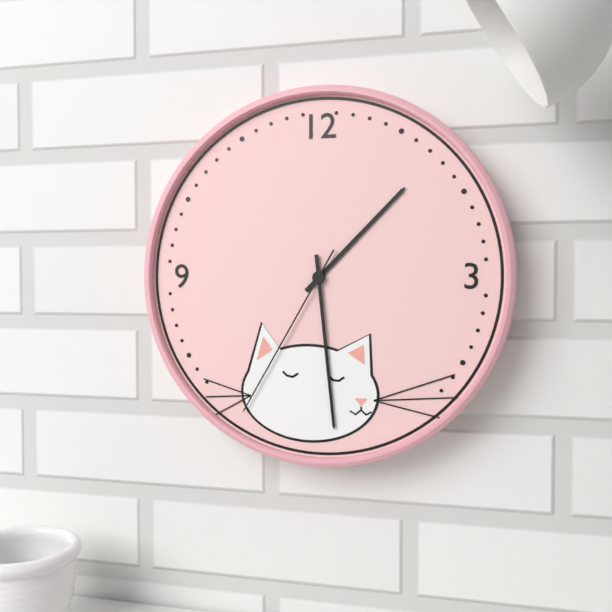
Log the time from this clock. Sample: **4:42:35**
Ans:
**1:29:35**
